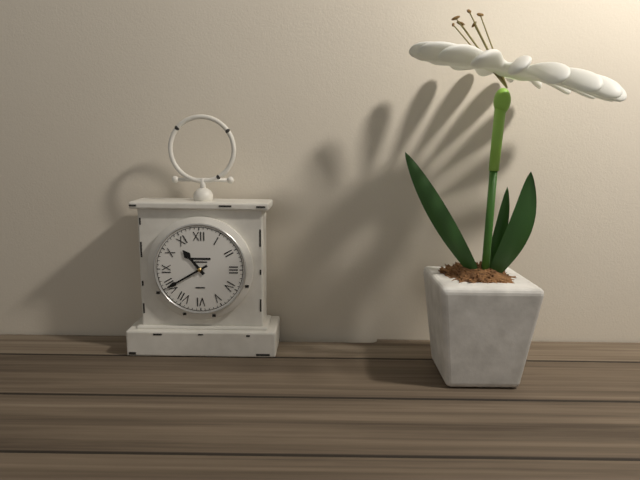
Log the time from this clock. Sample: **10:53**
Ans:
**10:40**
